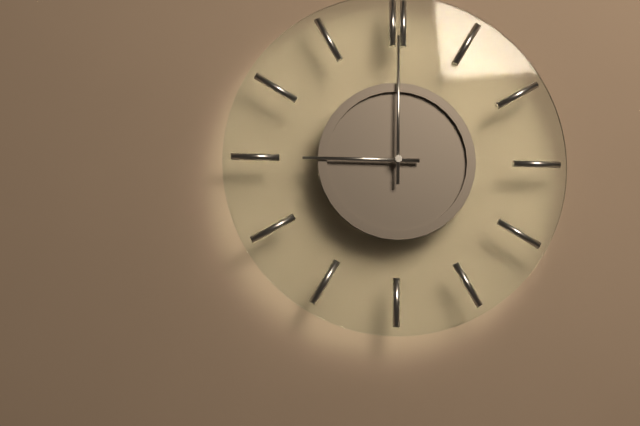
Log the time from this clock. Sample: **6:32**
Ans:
**9:00**
